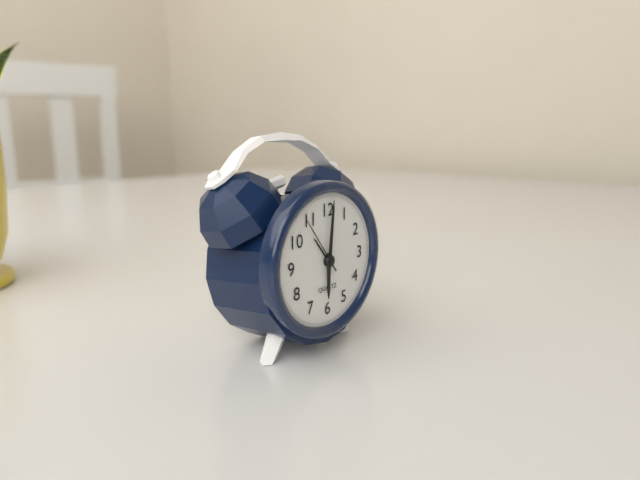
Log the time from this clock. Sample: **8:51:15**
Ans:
**6:01:54**
